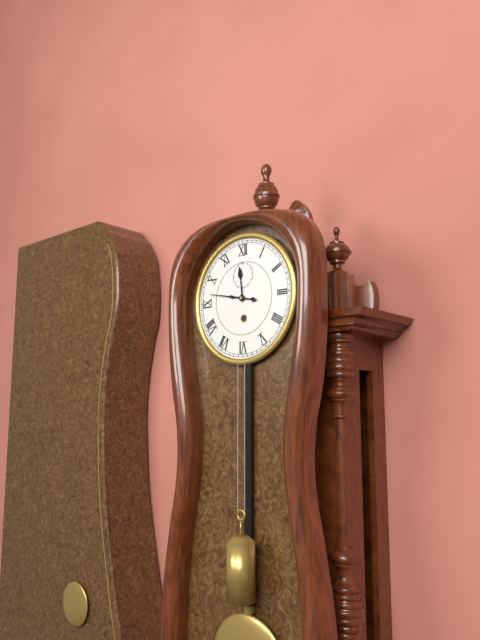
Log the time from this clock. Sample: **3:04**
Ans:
**11:47**
